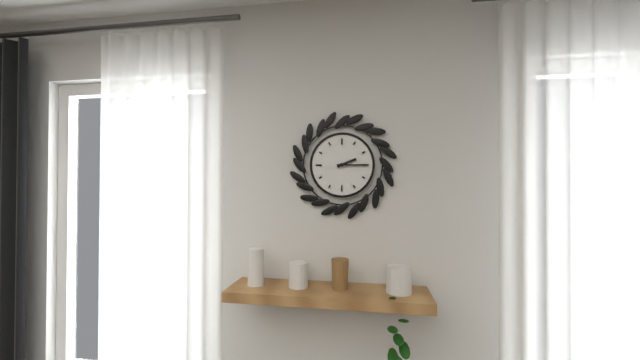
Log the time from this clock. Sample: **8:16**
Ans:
**2:15**
